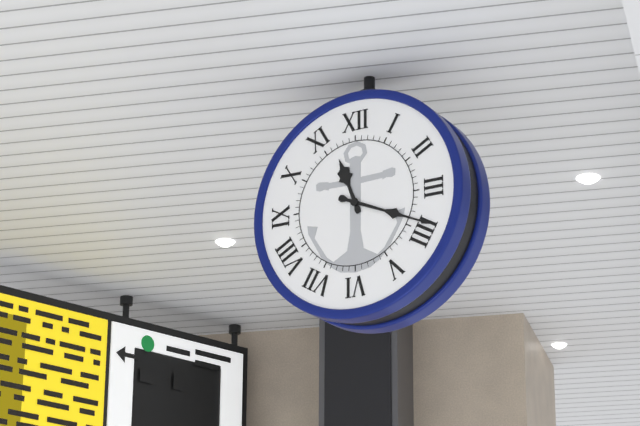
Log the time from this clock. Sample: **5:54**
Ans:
**11:19**
